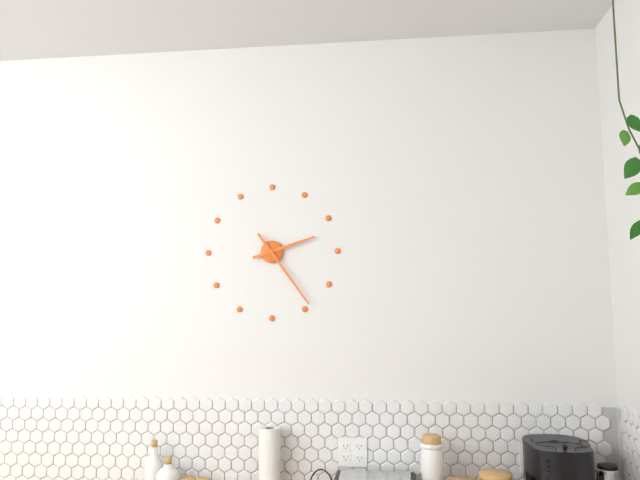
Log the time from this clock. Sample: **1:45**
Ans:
**2:24**
